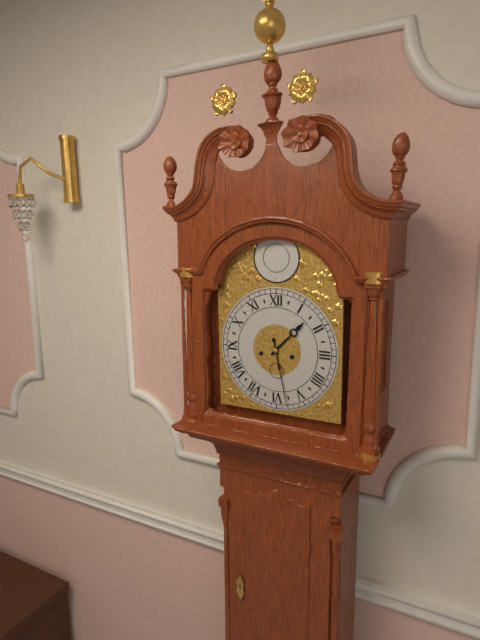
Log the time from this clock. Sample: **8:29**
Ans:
**1:28**
